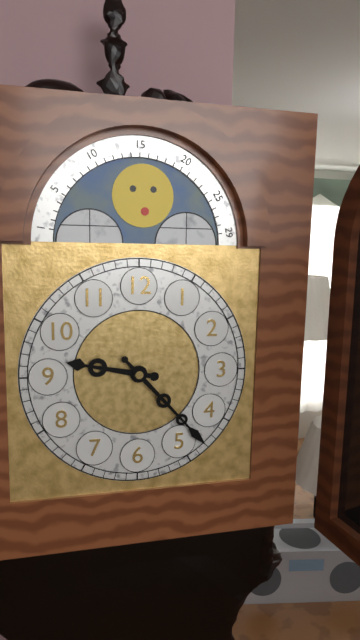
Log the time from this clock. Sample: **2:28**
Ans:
**9:23**
